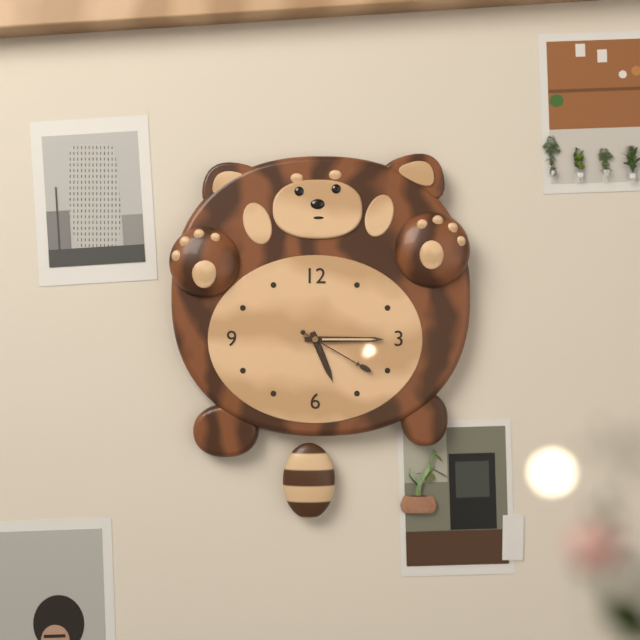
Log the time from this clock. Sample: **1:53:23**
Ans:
**5:15:20**
